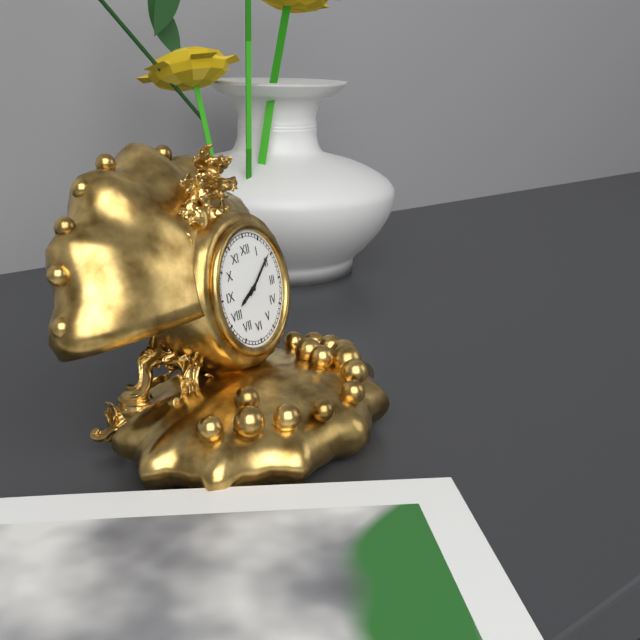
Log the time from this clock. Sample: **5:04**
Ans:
**8:09**
